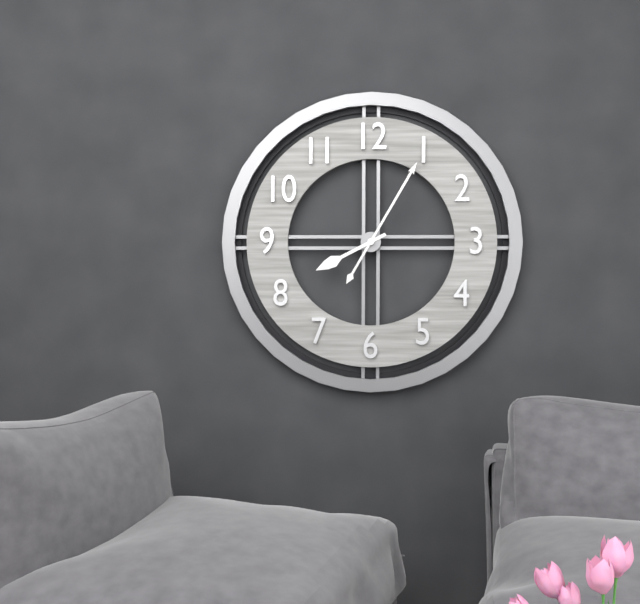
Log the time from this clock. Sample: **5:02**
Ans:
**8:05**
